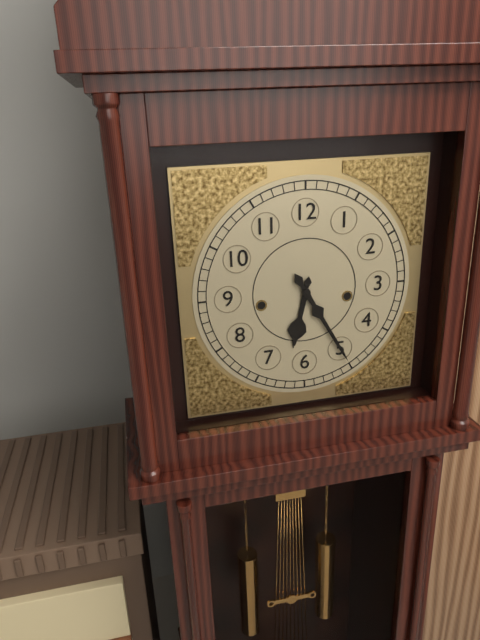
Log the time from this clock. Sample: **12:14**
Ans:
**6:25**
